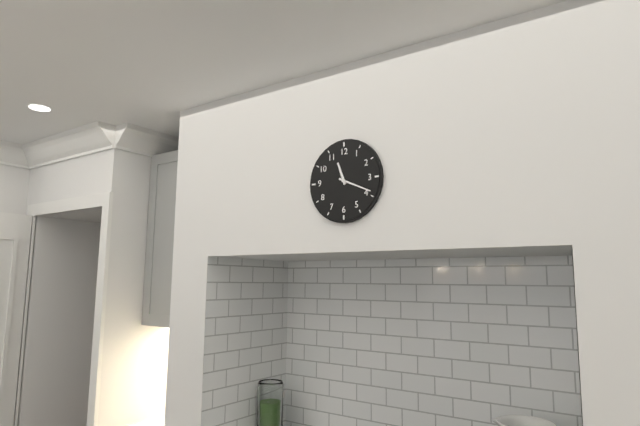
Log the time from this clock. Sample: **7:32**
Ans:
**11:19**
